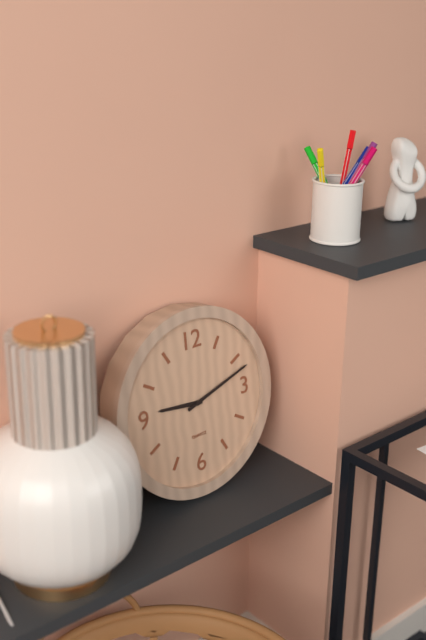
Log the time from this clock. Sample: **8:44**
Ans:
**9:12**
